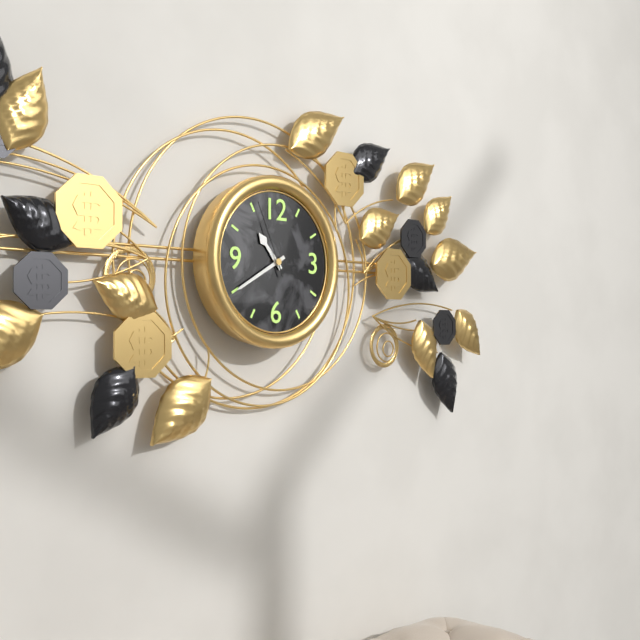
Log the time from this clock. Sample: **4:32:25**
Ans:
**10:40:56**
